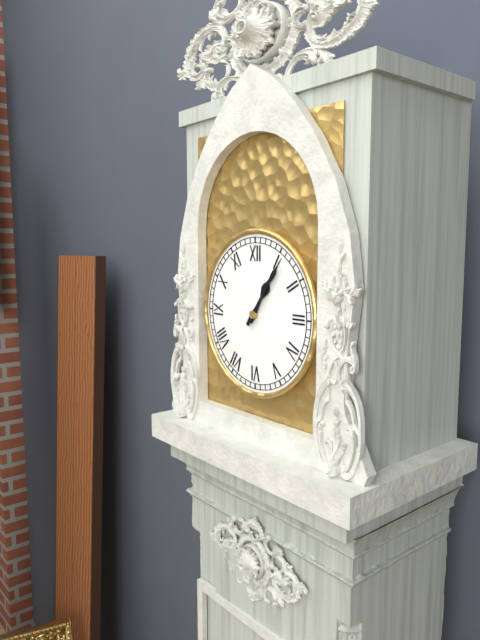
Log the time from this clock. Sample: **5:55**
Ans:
**1:06**
